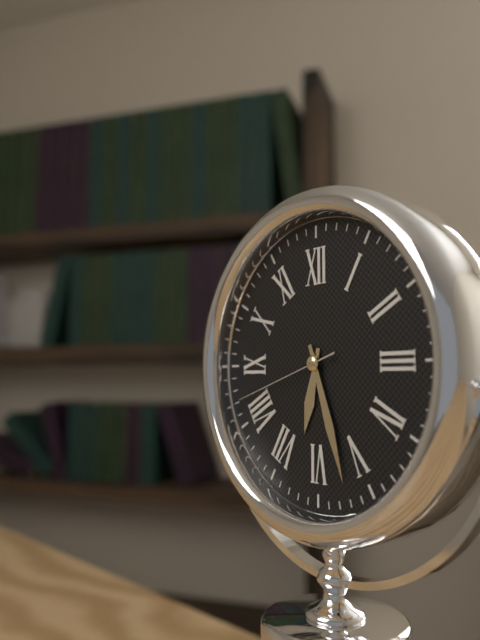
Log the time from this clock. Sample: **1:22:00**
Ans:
**6:27:42**
